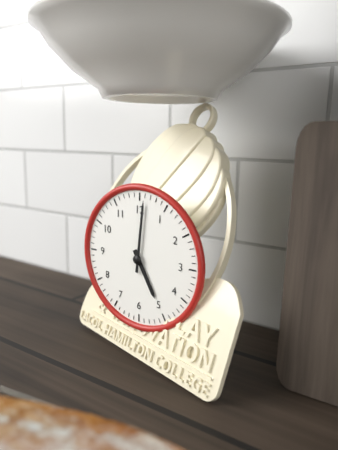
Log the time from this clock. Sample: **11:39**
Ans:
**5:01**
